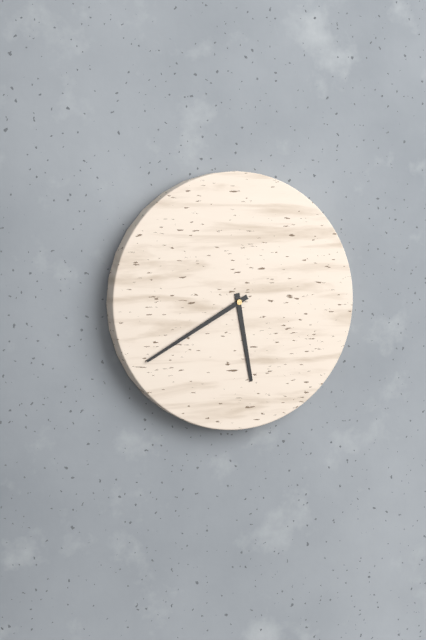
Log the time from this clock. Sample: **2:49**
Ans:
**5:40**
